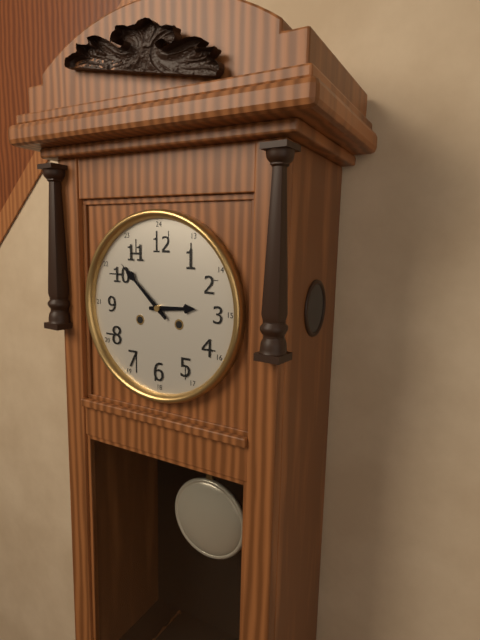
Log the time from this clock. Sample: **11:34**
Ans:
**2:52**
